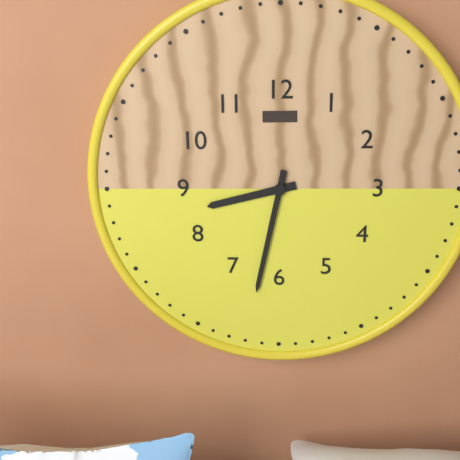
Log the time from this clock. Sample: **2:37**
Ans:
**8:32**
